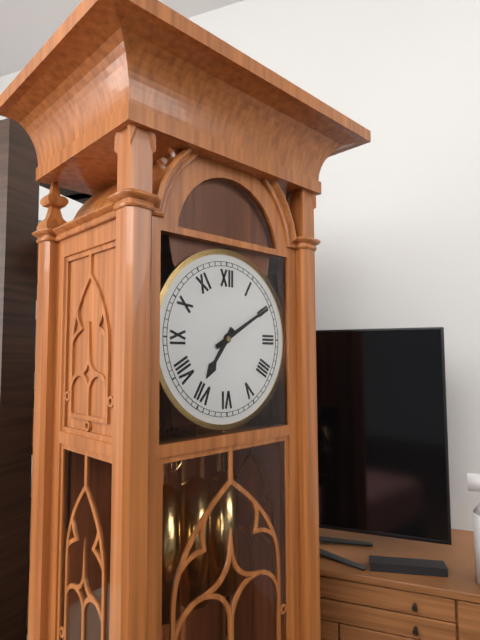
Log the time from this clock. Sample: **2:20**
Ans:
**7:10**
